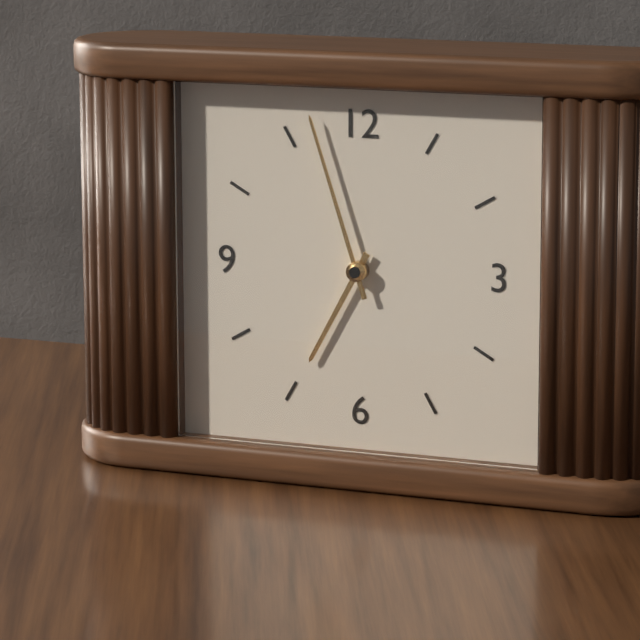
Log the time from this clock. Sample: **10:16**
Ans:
**6:57**
